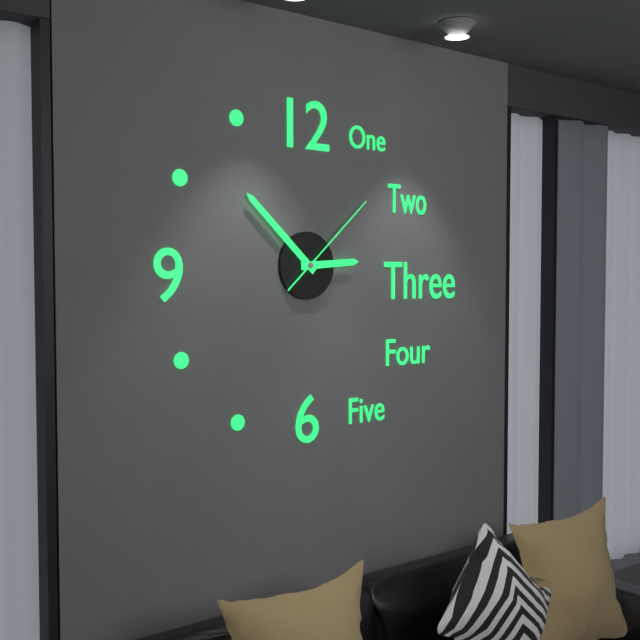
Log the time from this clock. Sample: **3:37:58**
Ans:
**2:52:08**
